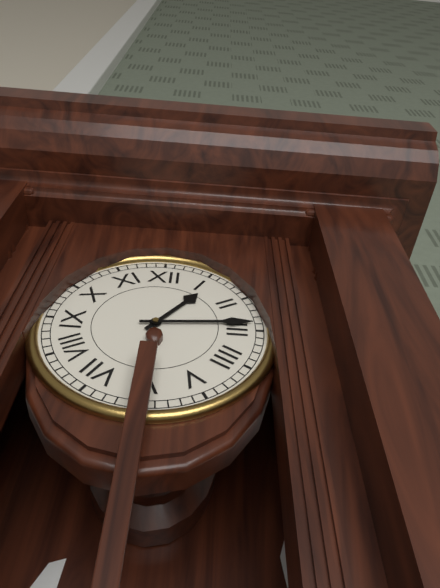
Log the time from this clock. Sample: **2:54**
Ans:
**1:14**
